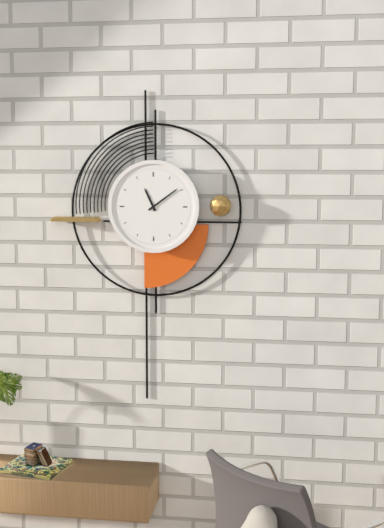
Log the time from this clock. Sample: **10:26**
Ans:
**11:09**
